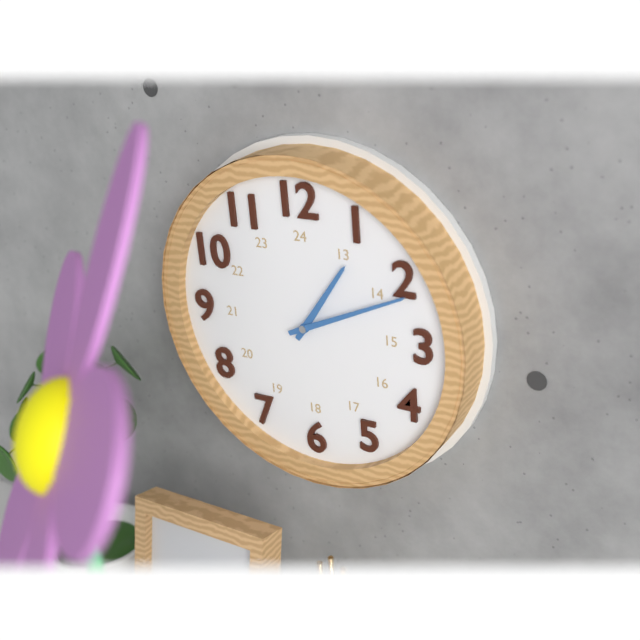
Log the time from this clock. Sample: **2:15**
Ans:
**1:11**
